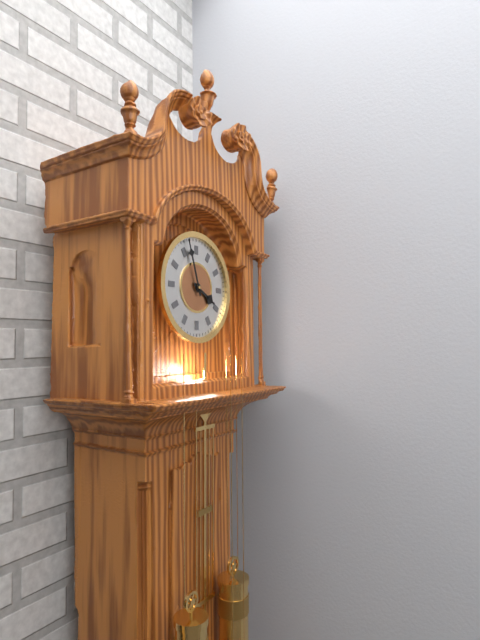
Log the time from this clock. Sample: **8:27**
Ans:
**3:57**
